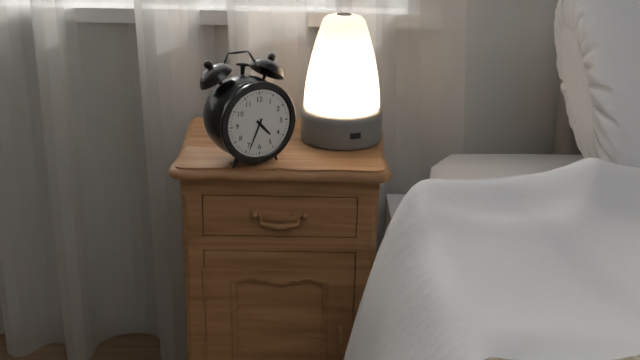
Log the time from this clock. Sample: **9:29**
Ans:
**4:34**
